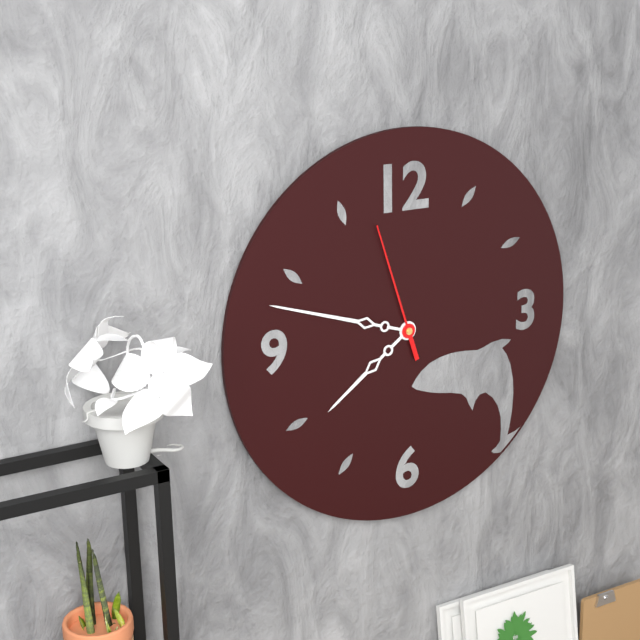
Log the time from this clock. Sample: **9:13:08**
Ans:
**7:48:57**
